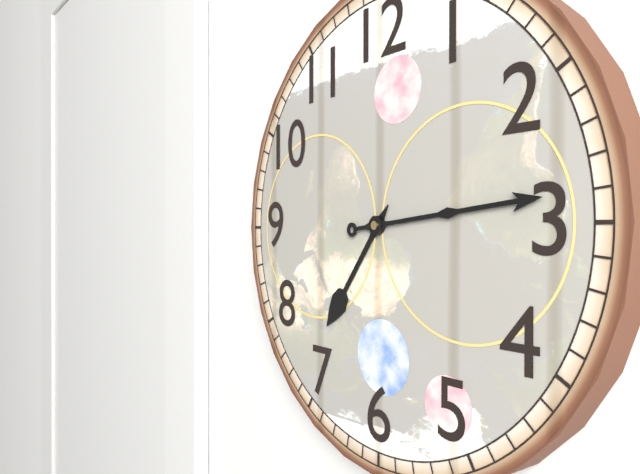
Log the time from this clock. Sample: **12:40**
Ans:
**7:14**
